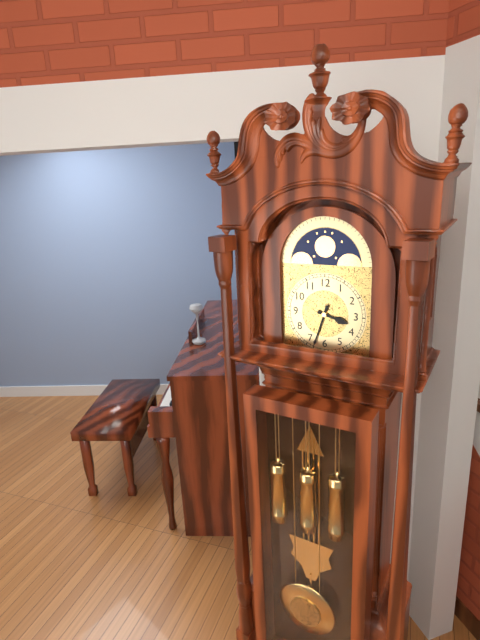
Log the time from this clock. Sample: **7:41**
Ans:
**3:33**
